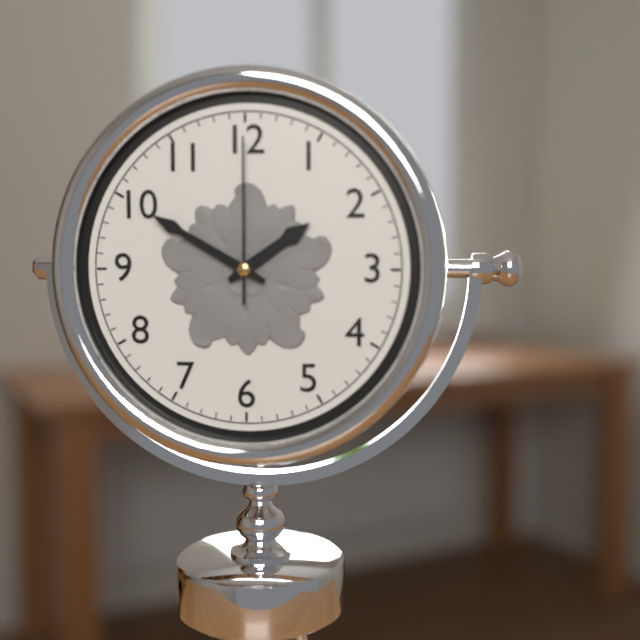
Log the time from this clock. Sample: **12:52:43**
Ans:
**1:50:00**
